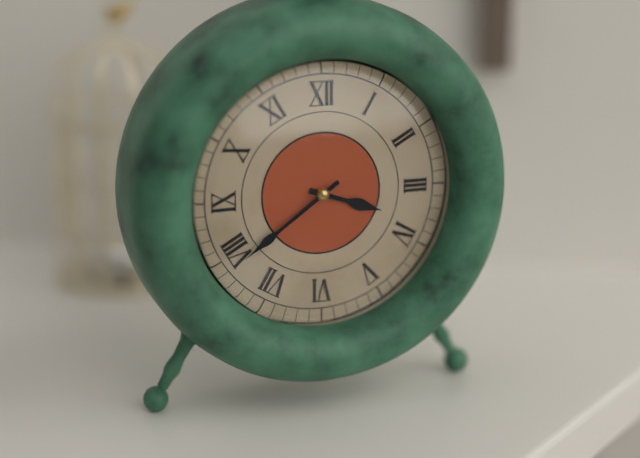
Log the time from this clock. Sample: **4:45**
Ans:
**3:39**
